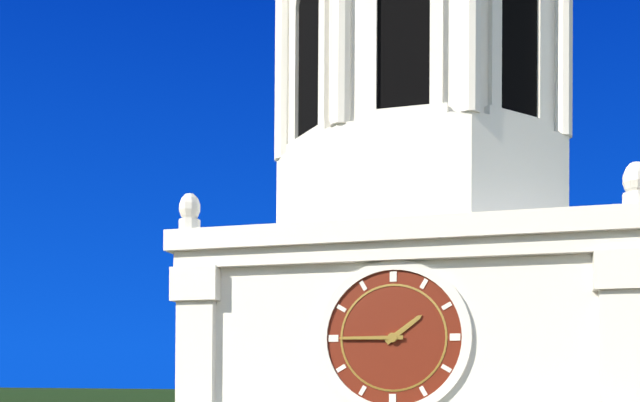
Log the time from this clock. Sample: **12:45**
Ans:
**1:45**
